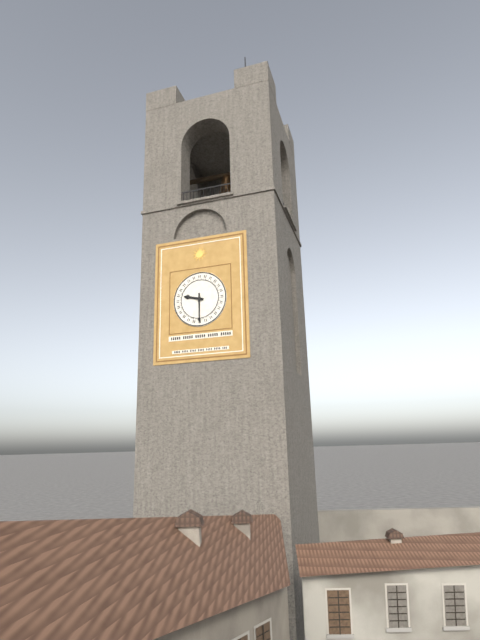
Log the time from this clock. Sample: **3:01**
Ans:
**9:30**
